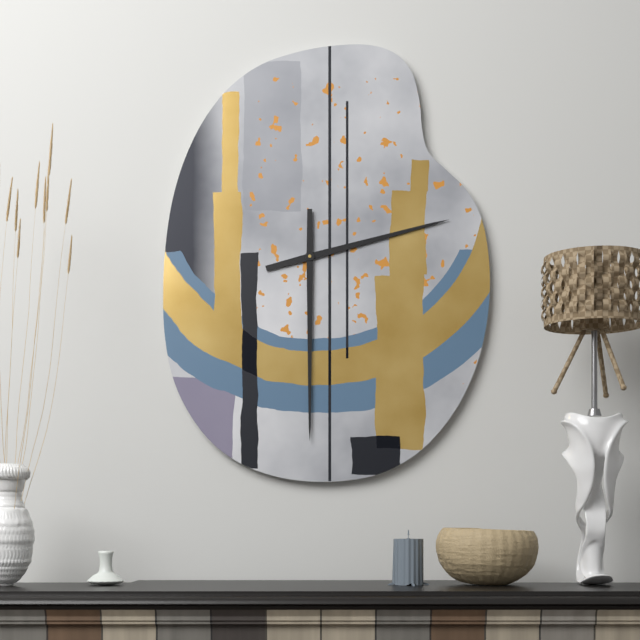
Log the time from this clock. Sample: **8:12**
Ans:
**2:30**
